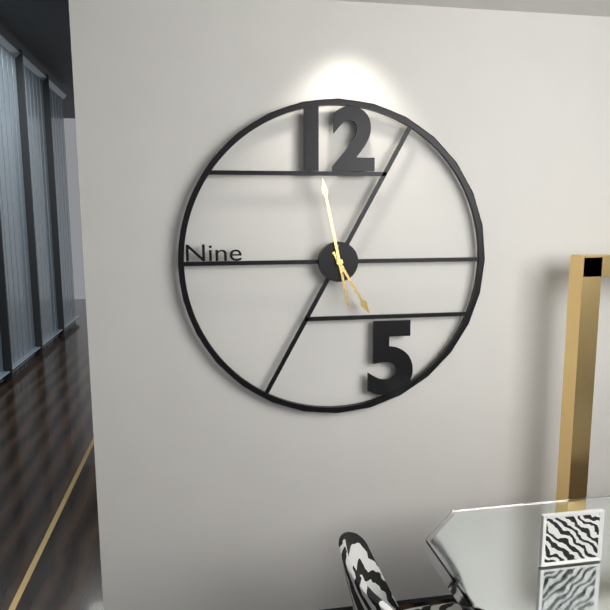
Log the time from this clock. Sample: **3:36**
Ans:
**4:58**
